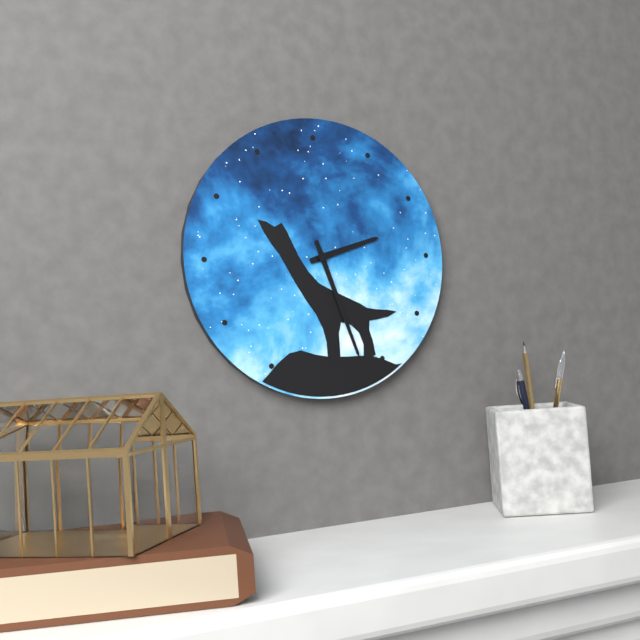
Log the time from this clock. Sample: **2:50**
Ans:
**2:27**
